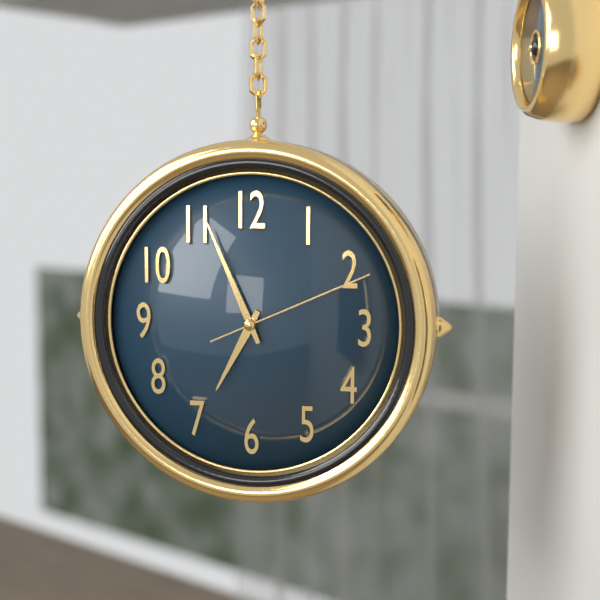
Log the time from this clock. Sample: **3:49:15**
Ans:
**6:56:11**
